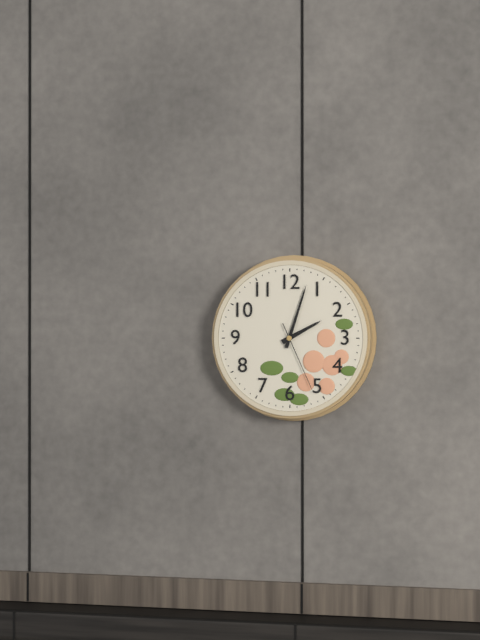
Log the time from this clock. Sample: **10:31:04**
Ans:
**2:03:26**
